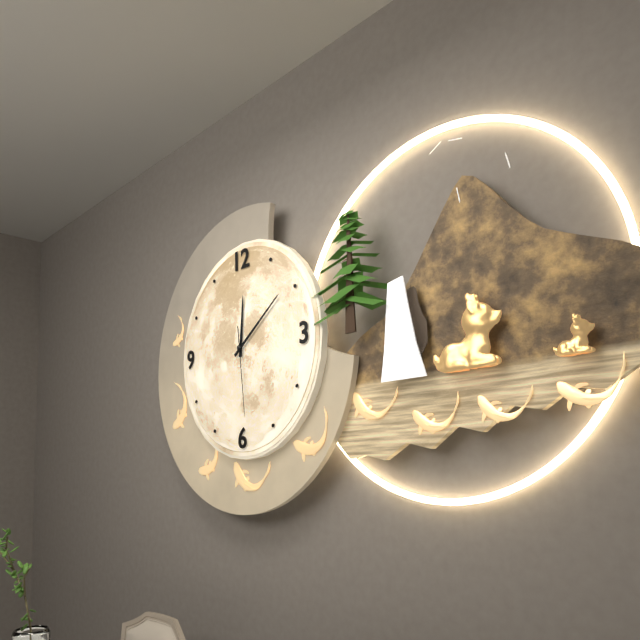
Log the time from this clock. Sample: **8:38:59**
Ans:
**12:09:29**
